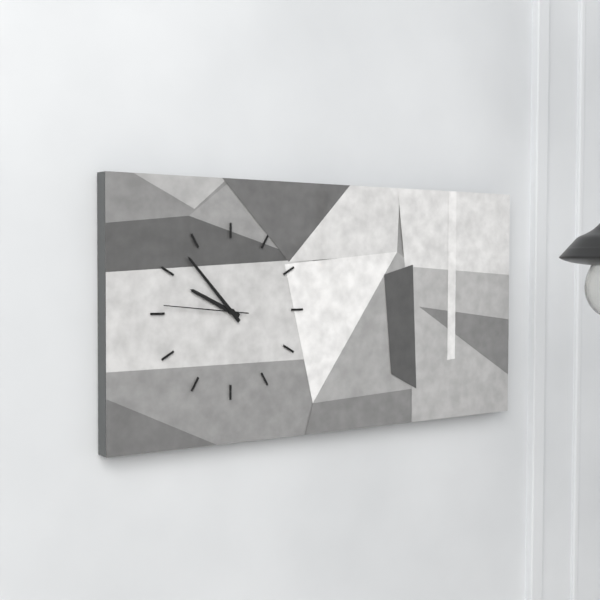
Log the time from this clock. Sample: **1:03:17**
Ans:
**9:53:46**
